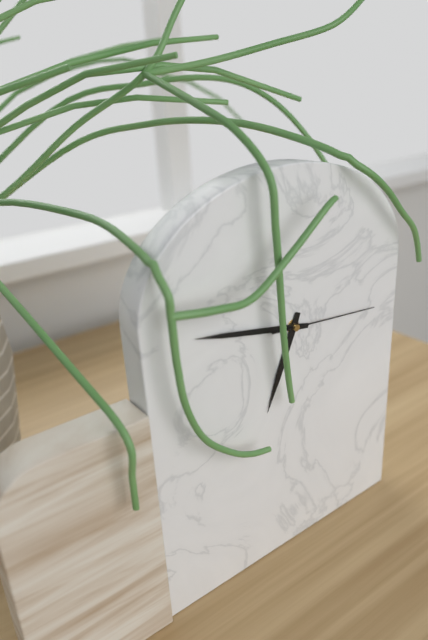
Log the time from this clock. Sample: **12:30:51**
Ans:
**6:47:16**
